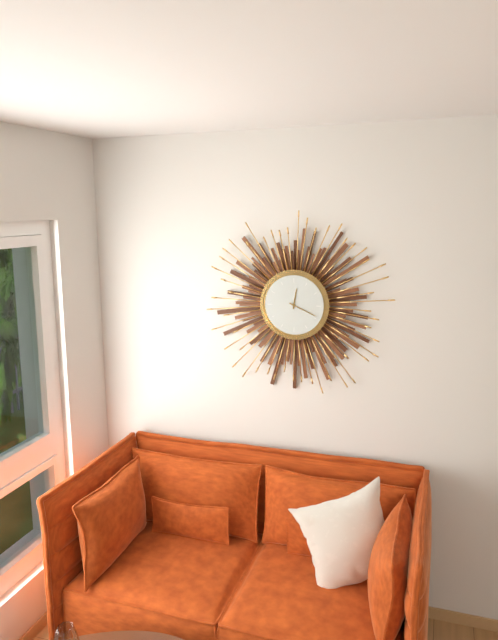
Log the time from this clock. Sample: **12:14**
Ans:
**12:19**
